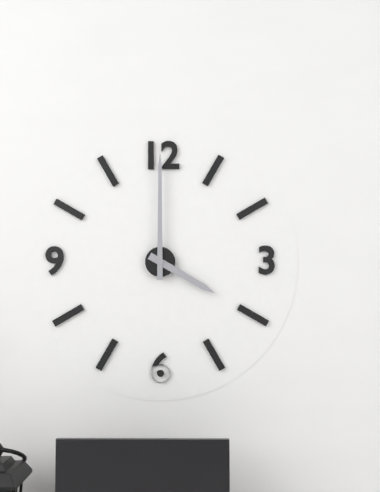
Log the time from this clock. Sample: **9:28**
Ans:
**4:00**
